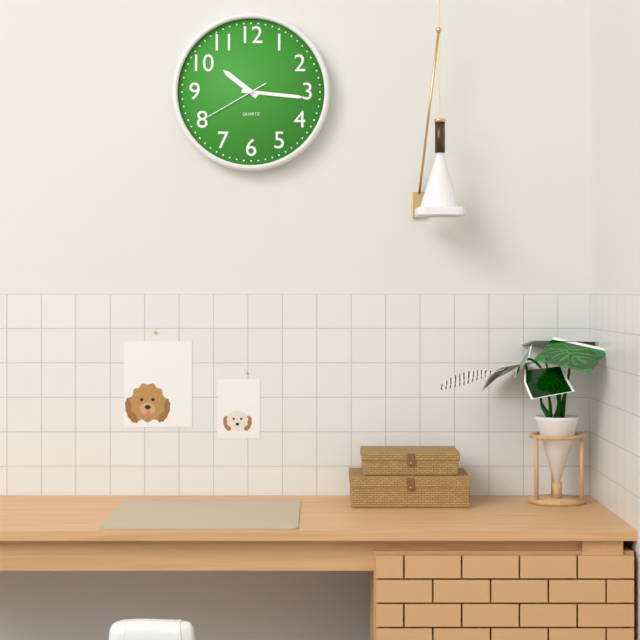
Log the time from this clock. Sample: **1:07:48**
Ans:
**10:16:40**
